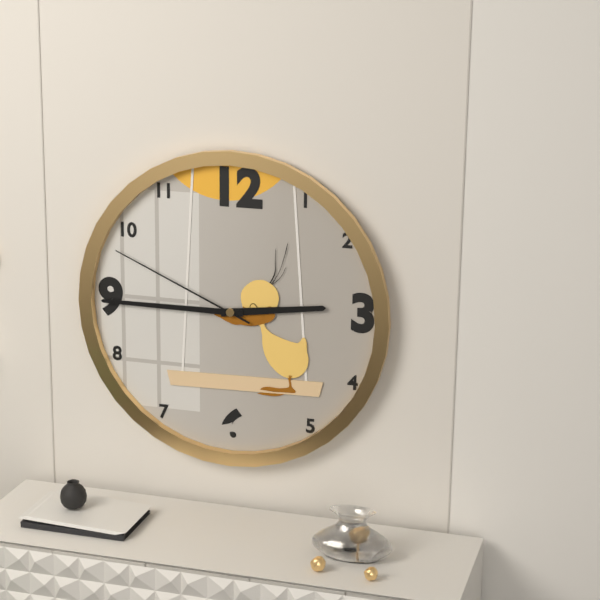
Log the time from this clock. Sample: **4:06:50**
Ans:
**2:45:49**
